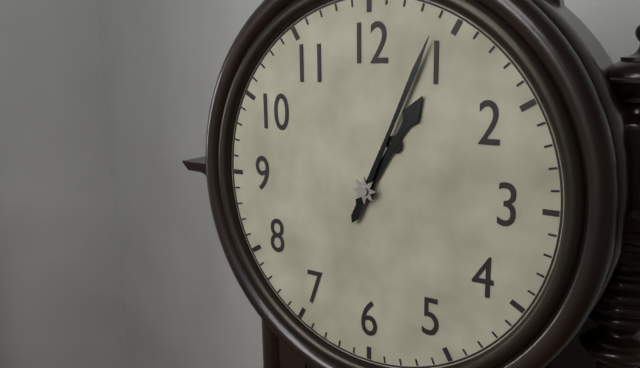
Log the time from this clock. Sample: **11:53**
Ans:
**1:04**
